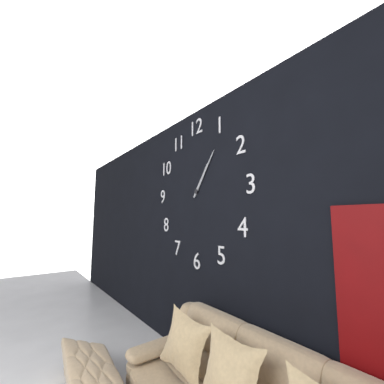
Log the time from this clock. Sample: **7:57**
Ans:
**1:06**
